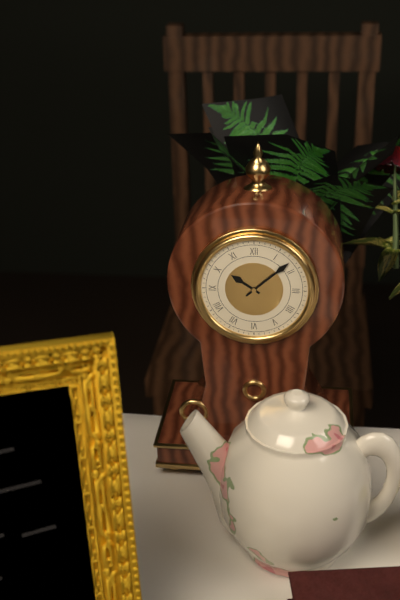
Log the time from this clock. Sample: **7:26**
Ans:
**10:08**
